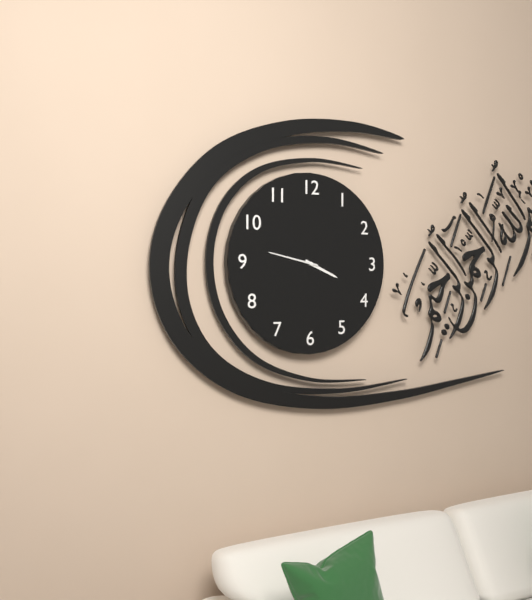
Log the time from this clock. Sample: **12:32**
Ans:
**3:47**
